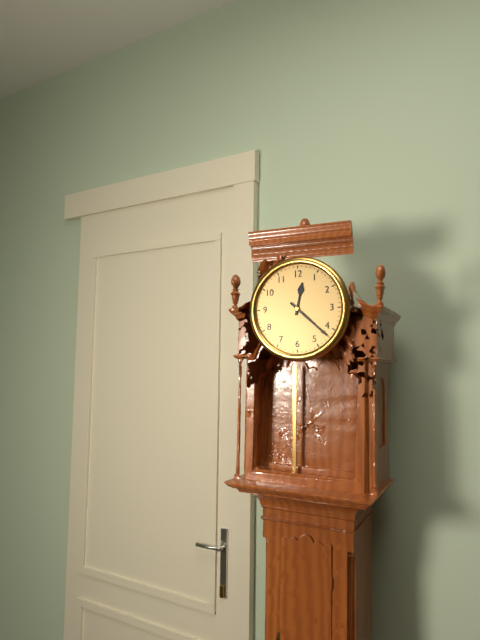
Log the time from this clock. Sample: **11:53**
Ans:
**12:22**
